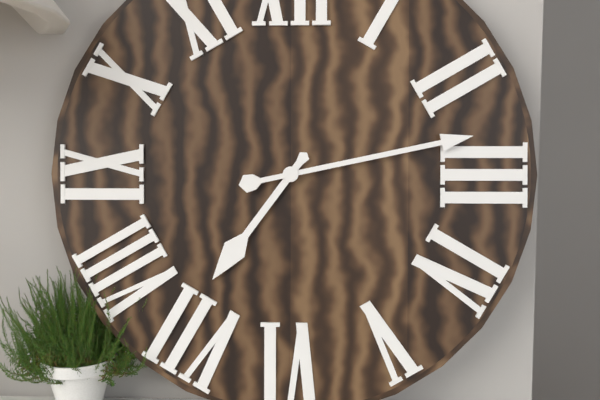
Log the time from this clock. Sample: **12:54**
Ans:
**7:13**
